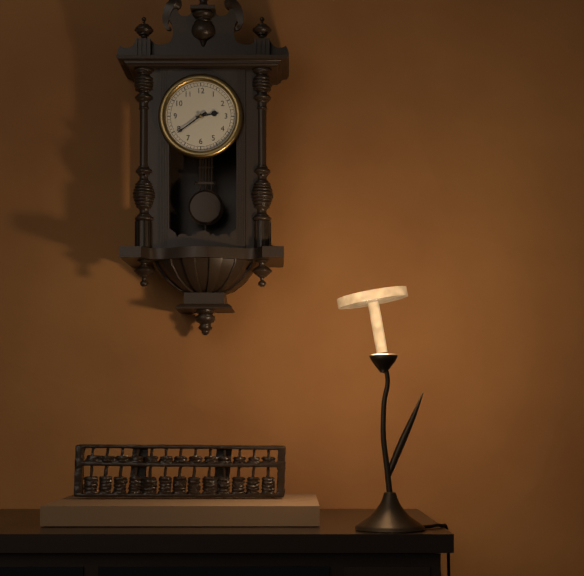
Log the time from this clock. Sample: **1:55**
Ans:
**2:39**
